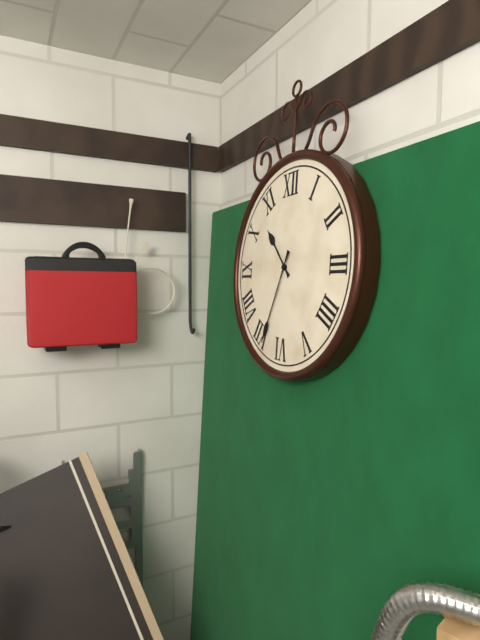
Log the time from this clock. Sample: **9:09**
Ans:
**10:34**
